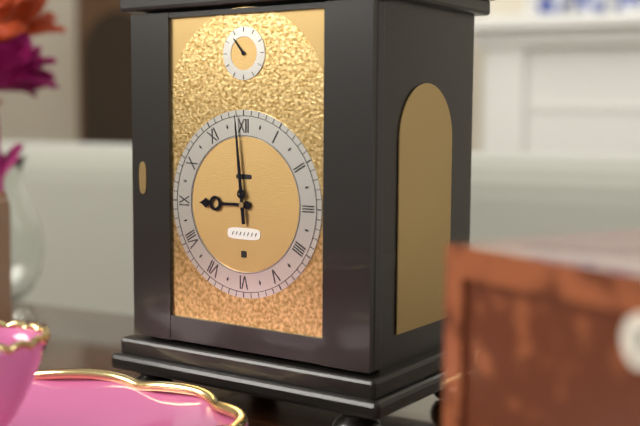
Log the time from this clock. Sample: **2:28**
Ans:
**8:59**
